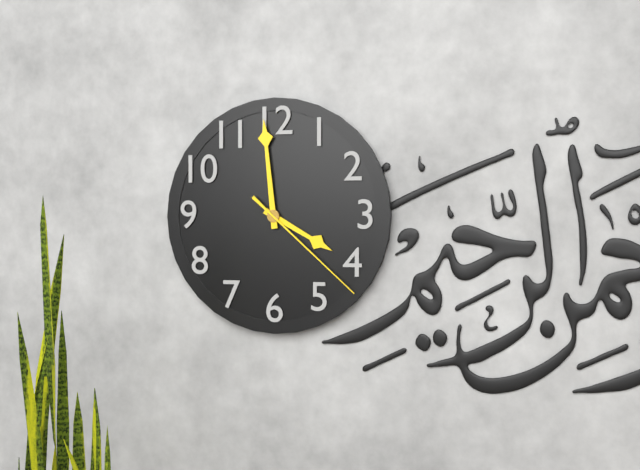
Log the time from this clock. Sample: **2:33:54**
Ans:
**3:59:22**
